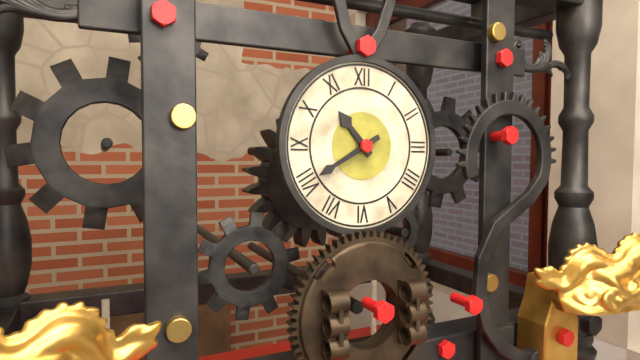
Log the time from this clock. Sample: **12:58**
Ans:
**10:40**
